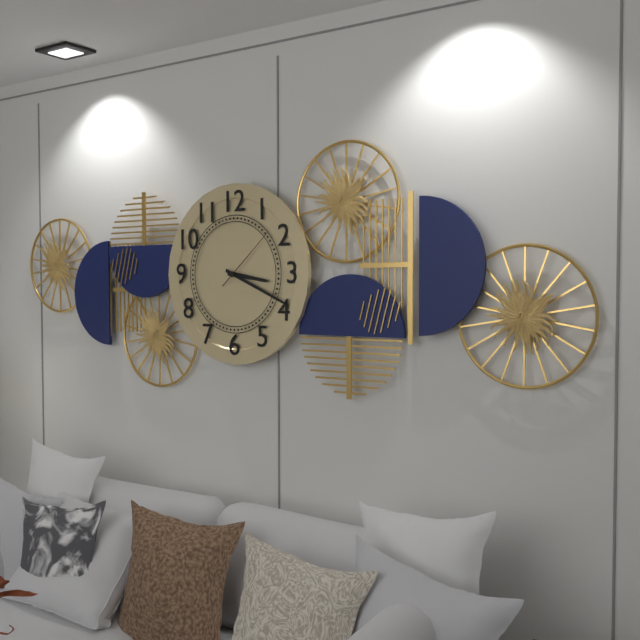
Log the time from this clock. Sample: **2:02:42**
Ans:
**3:19:08**
